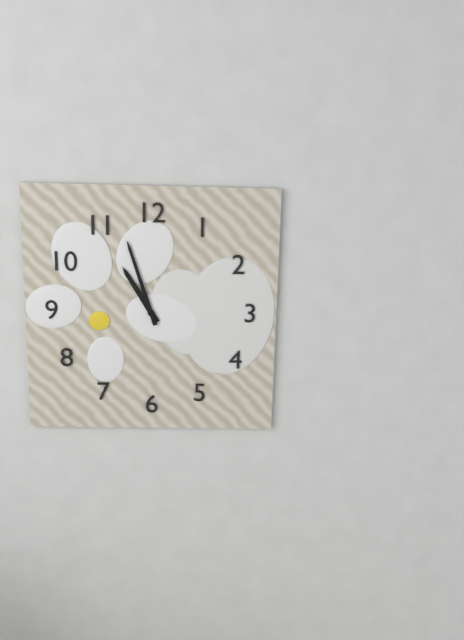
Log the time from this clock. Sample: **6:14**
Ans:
**10:57**
